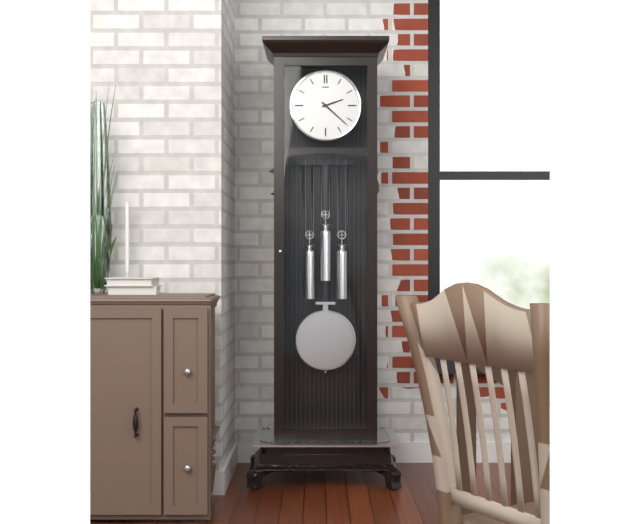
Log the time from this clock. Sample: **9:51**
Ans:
**2:22**
